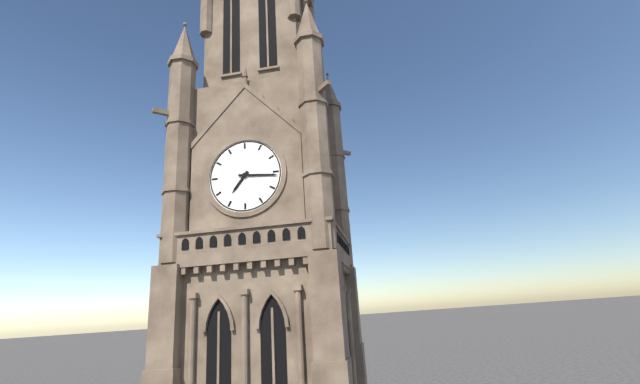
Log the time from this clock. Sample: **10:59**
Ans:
**7:16**
